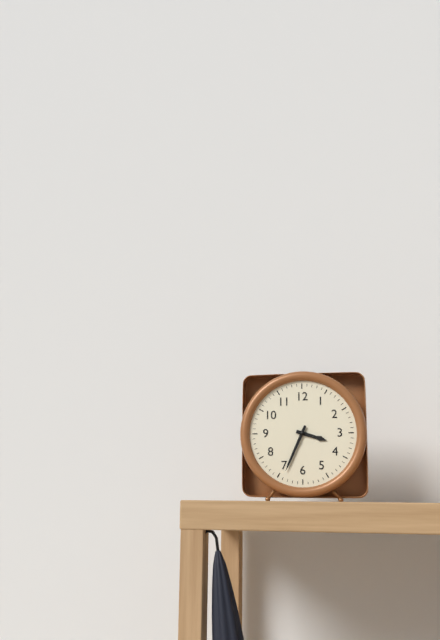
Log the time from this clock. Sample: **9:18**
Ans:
**3:34**
